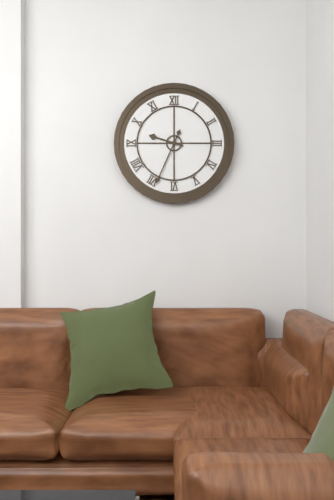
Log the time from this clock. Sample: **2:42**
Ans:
**9:34**
